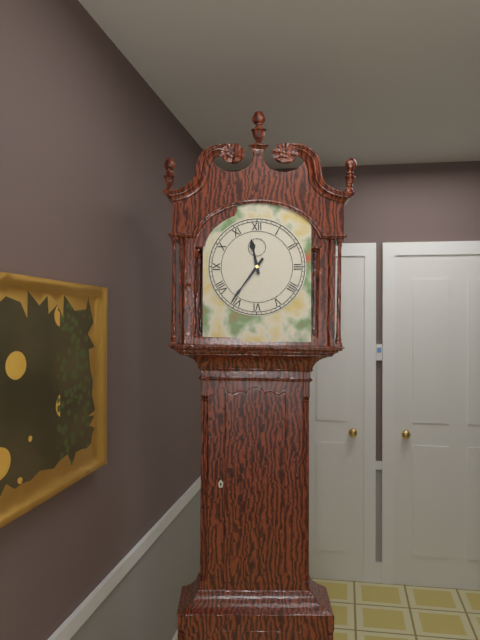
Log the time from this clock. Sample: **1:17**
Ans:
**11:36**
